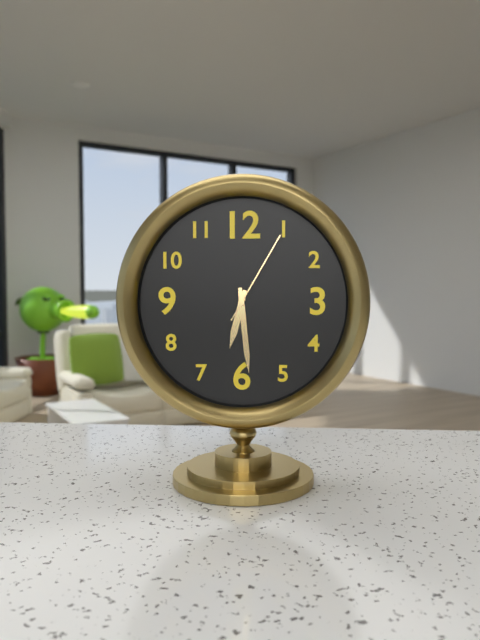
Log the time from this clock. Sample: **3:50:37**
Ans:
**6:29:05**
